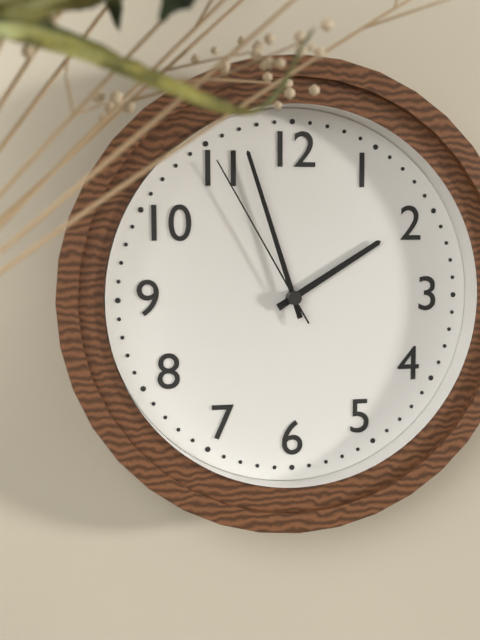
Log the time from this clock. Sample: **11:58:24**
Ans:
**1:57:55**
